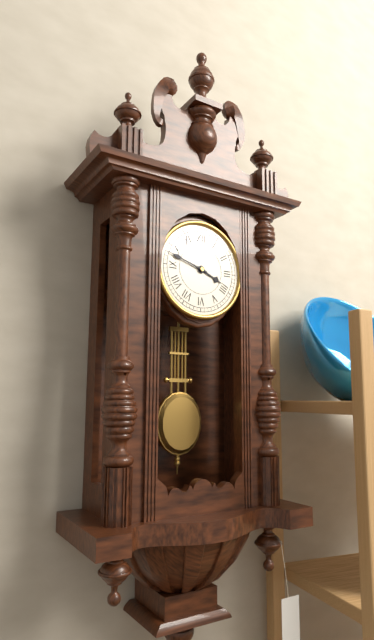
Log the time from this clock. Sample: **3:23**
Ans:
**3:48**
